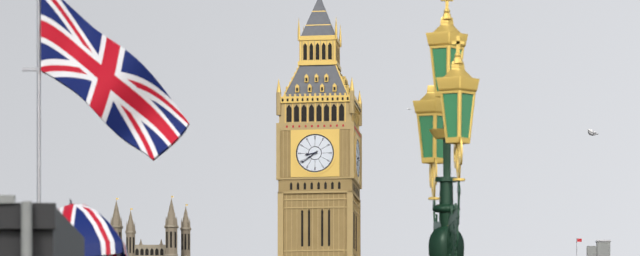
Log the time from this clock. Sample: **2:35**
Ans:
**8:39**
